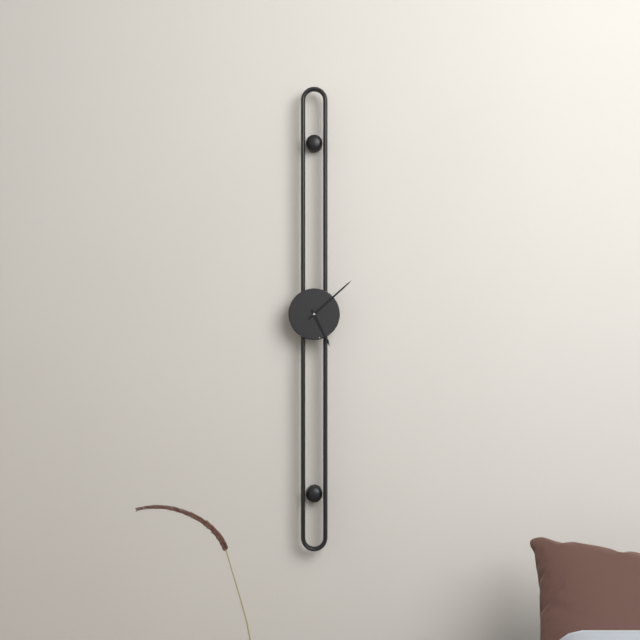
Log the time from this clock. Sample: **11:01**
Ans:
**5:08**
